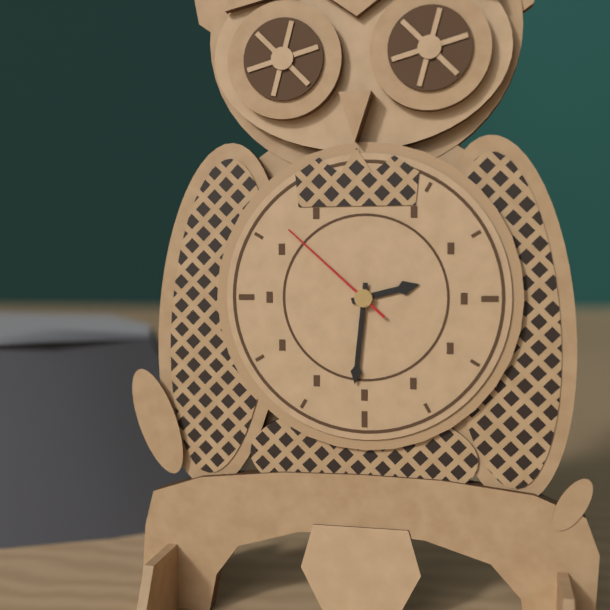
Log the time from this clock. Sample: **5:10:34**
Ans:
**2:31:52**
